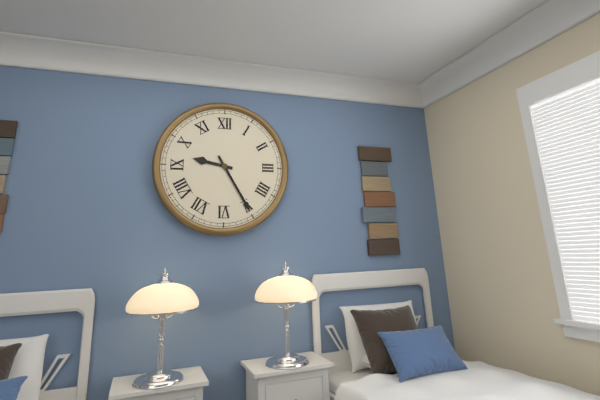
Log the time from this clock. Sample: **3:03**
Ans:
**9:25**
